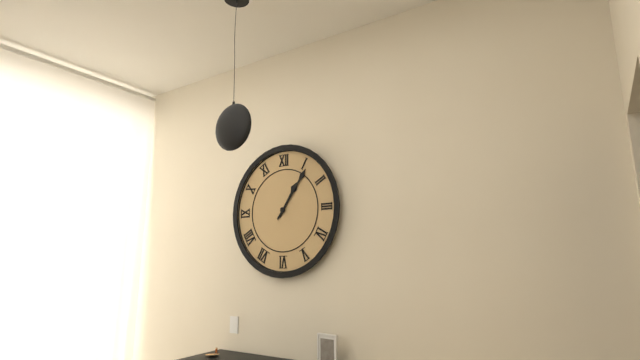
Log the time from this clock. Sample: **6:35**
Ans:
**1:06**
